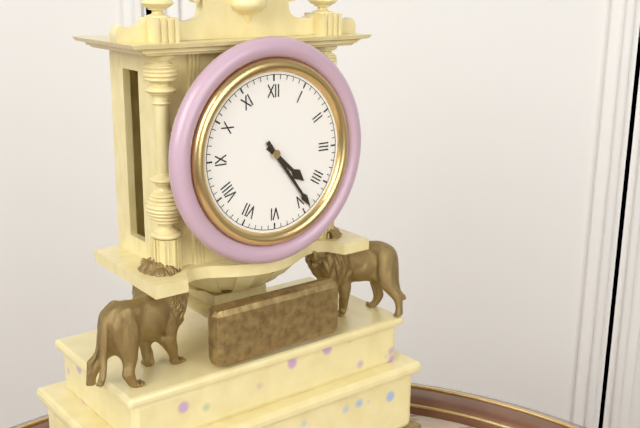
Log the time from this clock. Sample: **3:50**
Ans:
**4:24**
